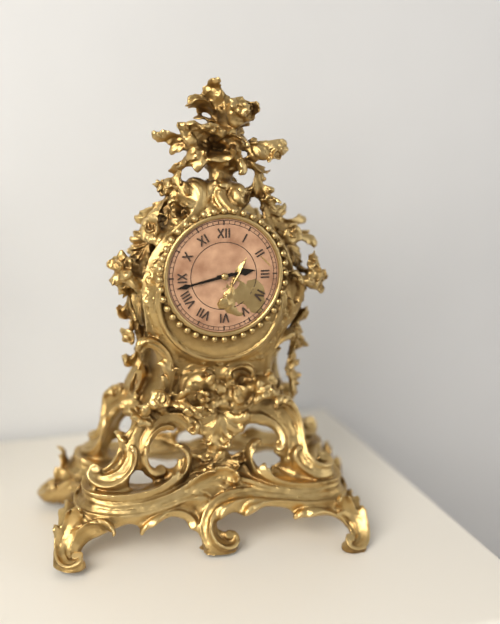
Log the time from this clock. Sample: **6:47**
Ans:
**2:43**
